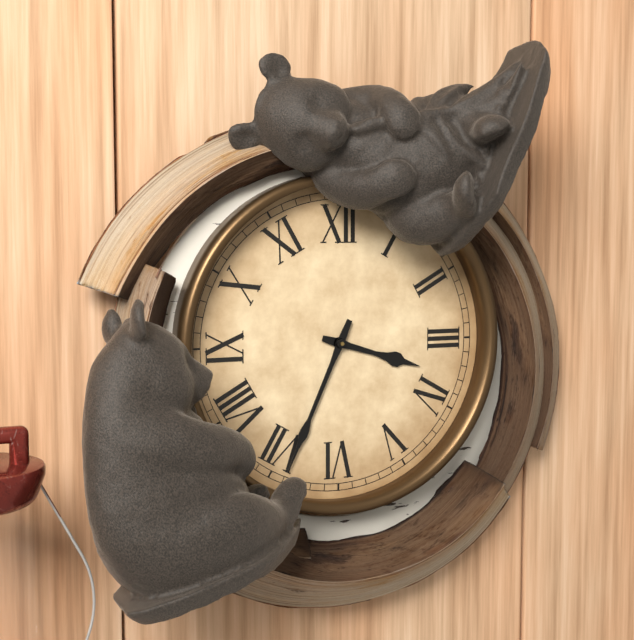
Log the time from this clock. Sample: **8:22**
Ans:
**3:34**
